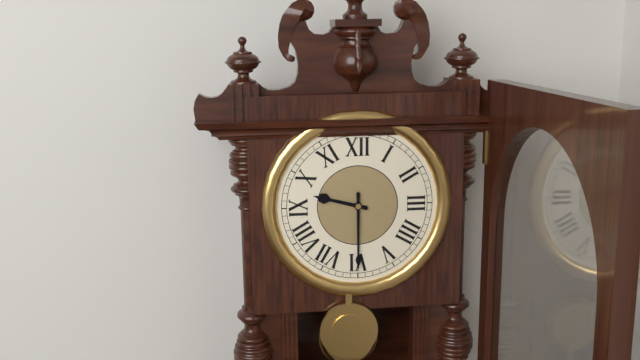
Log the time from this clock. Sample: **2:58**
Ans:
**9:30**
